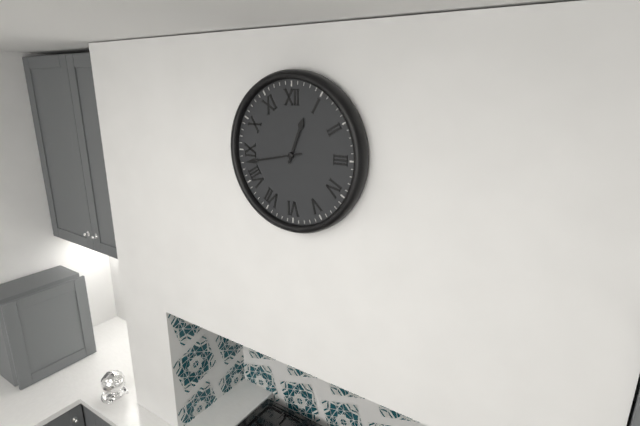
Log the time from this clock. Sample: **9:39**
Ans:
**12:43**
